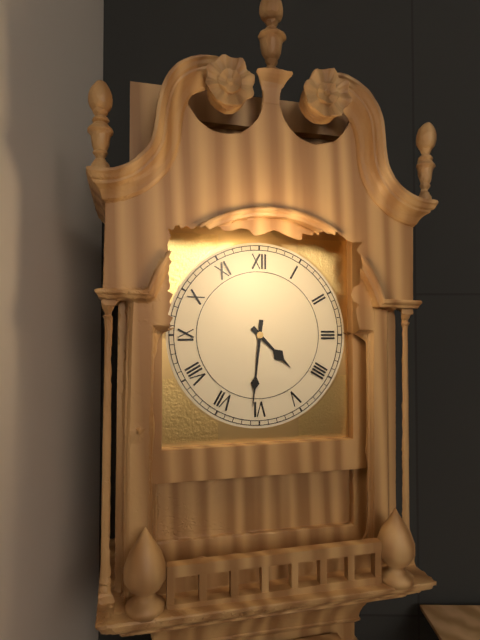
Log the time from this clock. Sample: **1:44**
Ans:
**4:31**
